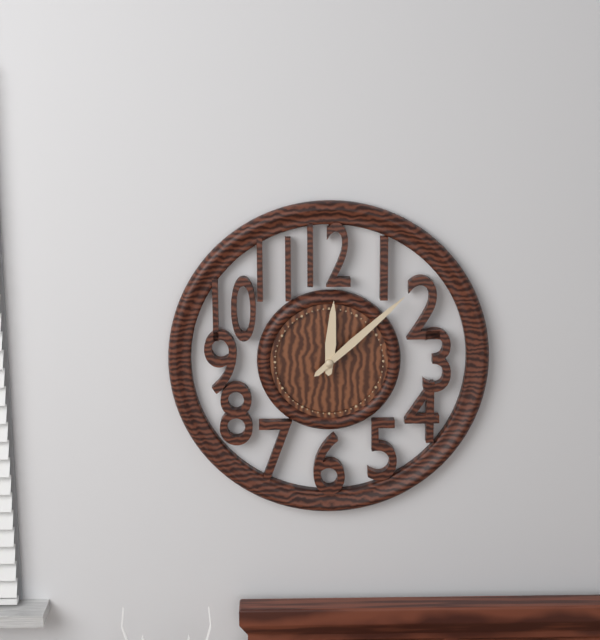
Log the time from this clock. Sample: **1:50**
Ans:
**12:08**
